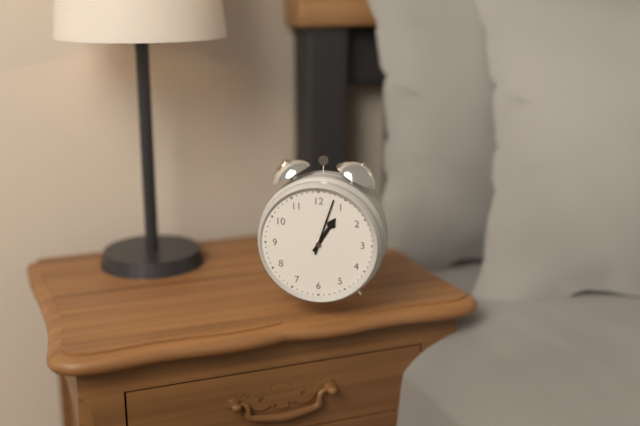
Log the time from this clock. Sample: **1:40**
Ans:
**1:03**
